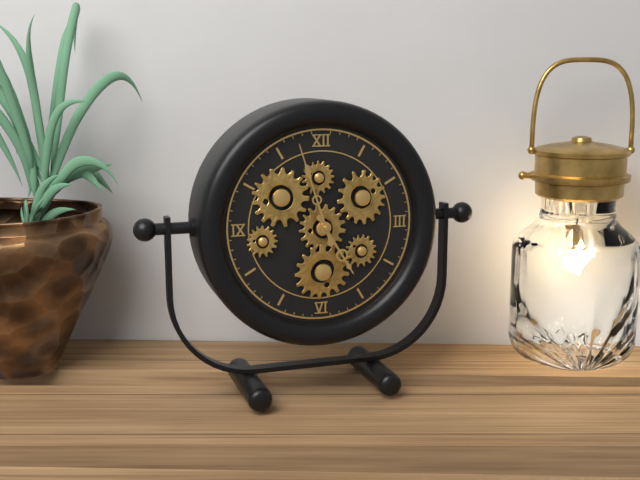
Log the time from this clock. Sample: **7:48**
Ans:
**4:57**
